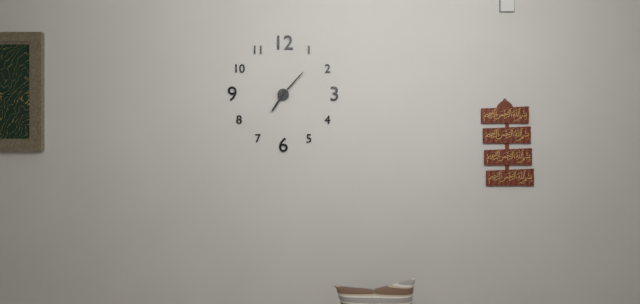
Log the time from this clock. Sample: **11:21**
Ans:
**7:07**
